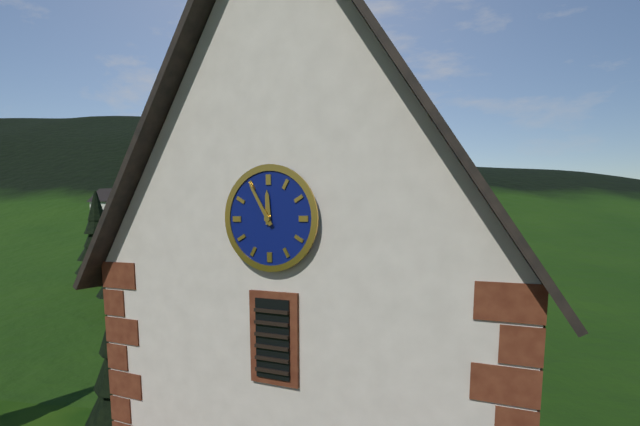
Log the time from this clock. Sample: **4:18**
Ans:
**11:55**
